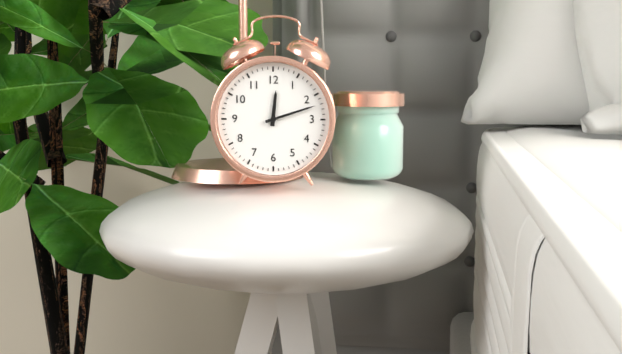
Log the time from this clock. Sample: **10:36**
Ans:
**12:12**
